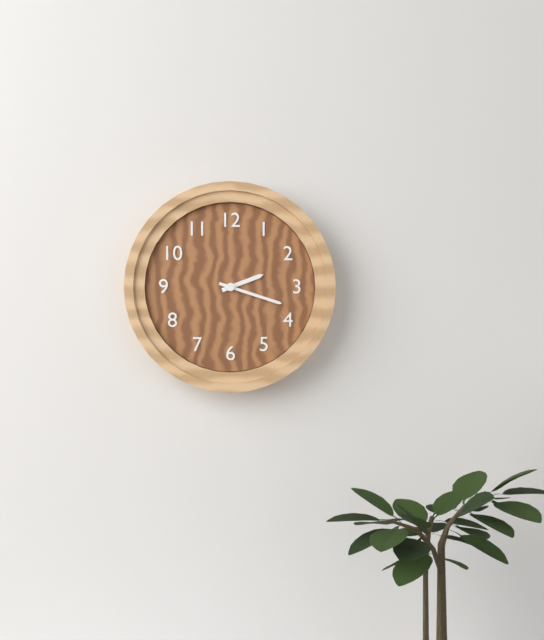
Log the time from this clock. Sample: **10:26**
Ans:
**2:18**
